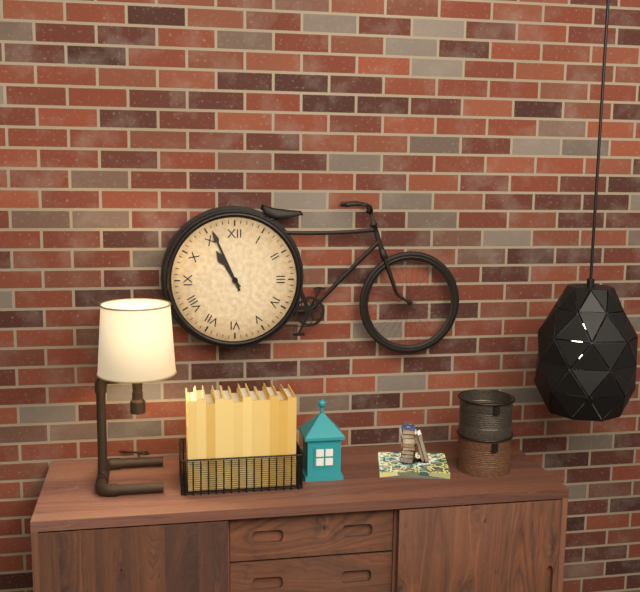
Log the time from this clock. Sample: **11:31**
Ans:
**10:56**
